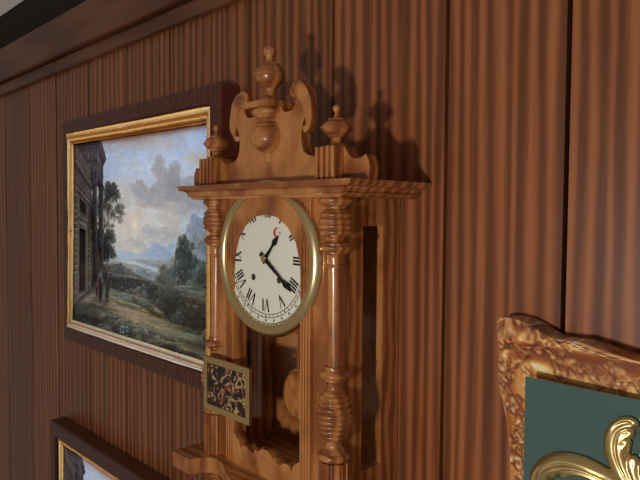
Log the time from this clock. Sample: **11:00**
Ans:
**1:21**
